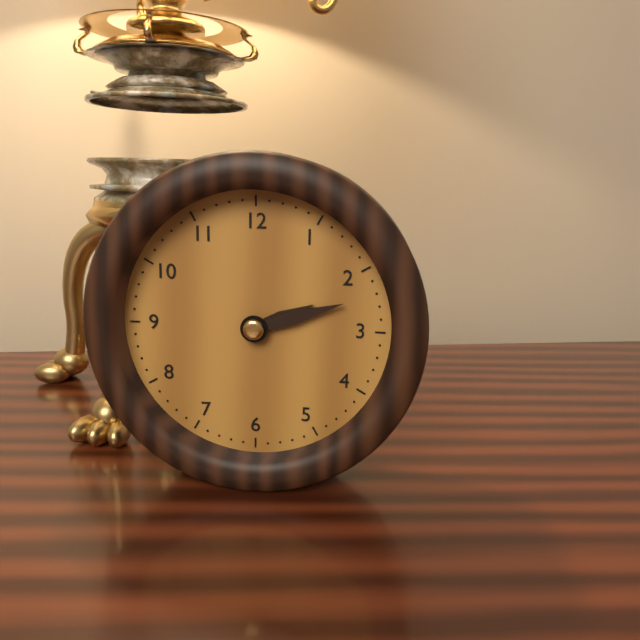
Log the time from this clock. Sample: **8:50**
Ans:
**2:12**
